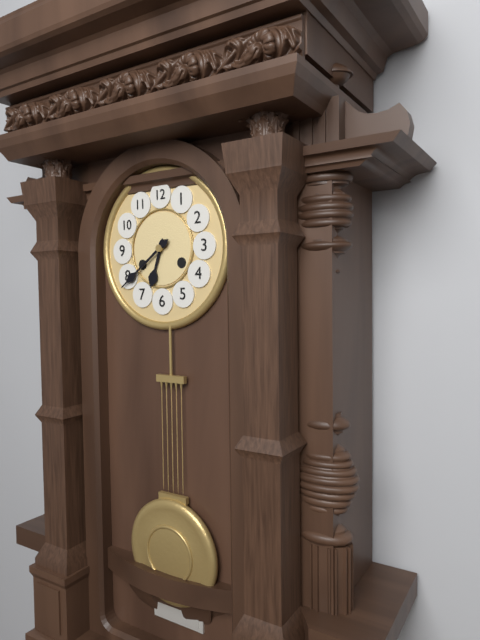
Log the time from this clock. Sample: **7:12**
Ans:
**6:39**
